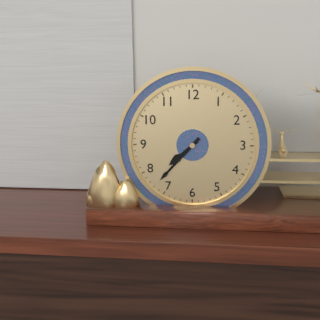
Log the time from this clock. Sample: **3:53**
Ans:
**7:37**
